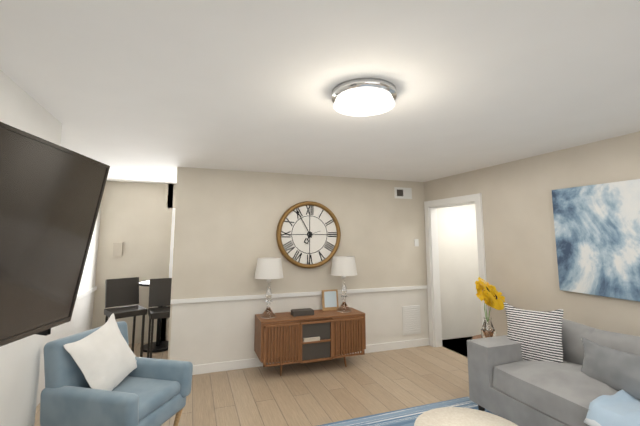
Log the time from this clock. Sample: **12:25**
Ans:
**6:55**
